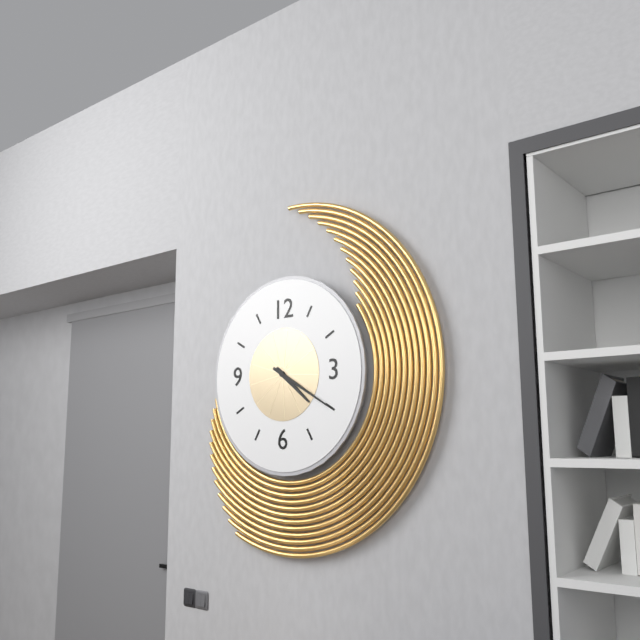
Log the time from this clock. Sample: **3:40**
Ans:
**4:20**
